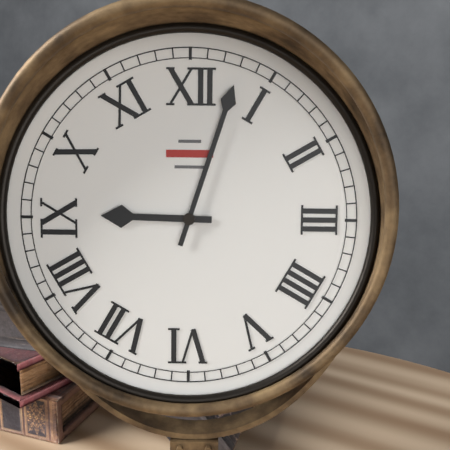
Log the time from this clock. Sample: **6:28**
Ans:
**9:03**
